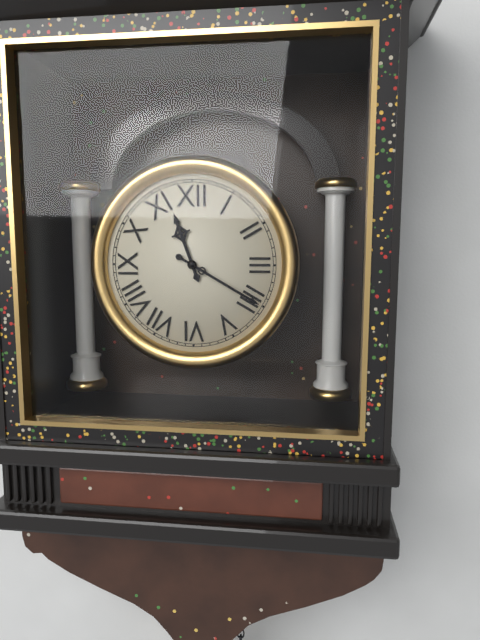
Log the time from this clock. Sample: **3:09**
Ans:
**11:20**
